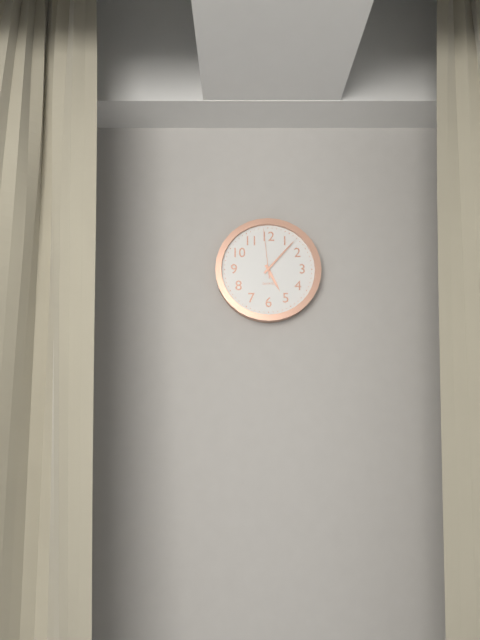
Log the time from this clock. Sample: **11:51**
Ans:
**5:07**
